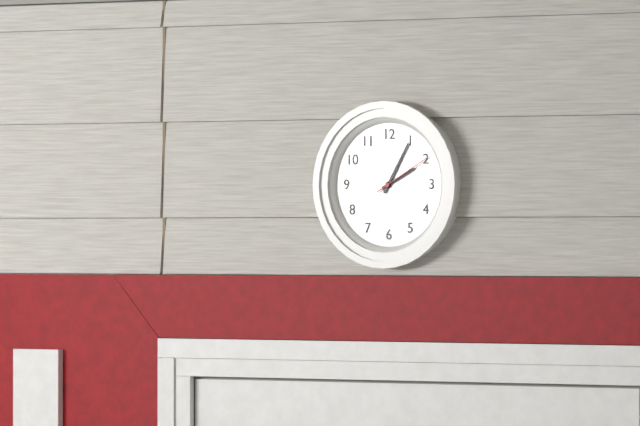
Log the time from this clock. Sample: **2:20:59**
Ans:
**2:05:10**
